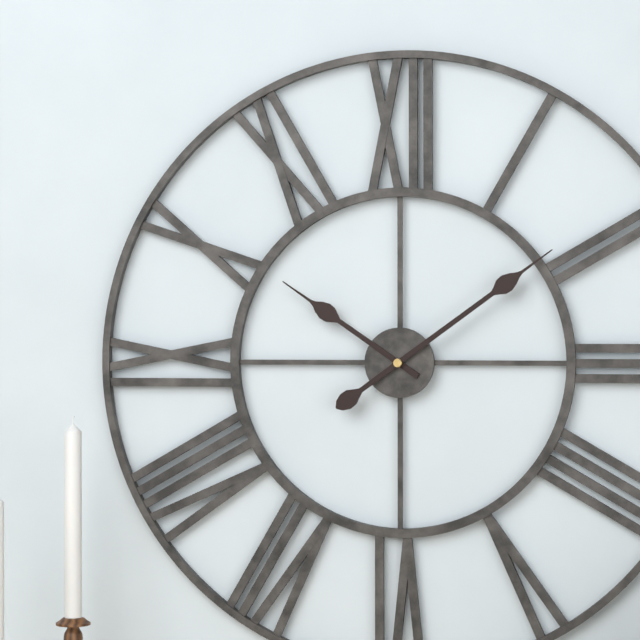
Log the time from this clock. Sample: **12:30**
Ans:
**10:09**
